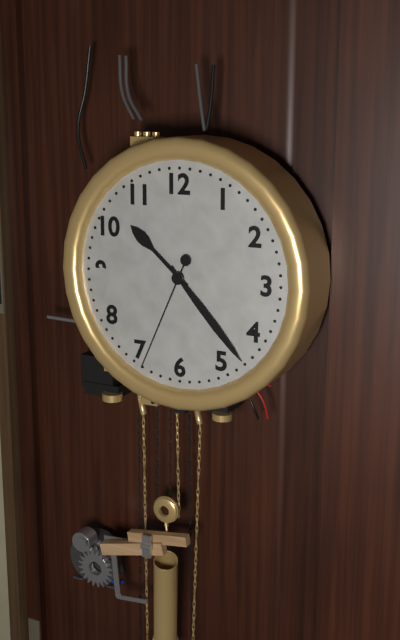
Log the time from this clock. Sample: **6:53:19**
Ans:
**10:23:34**
